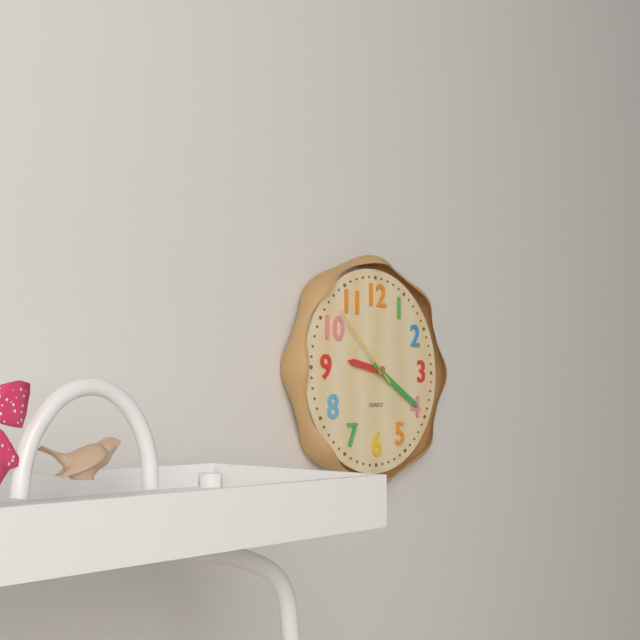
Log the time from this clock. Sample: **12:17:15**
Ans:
**9:20:52**
